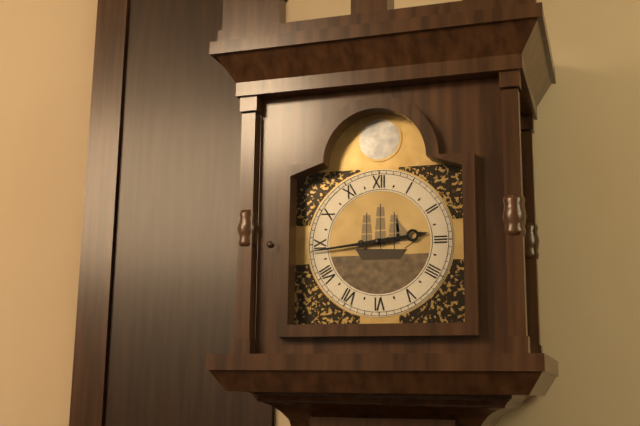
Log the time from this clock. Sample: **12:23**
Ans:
**2:44**
